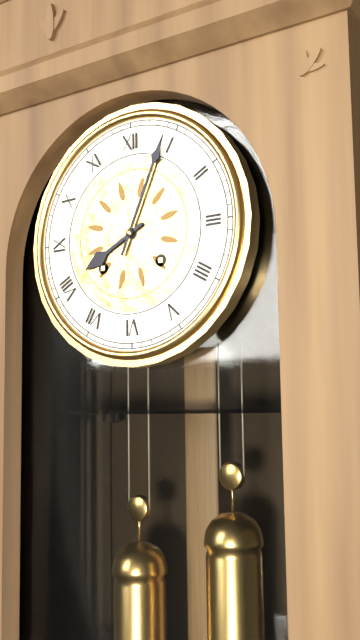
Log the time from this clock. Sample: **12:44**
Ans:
**8:04**
